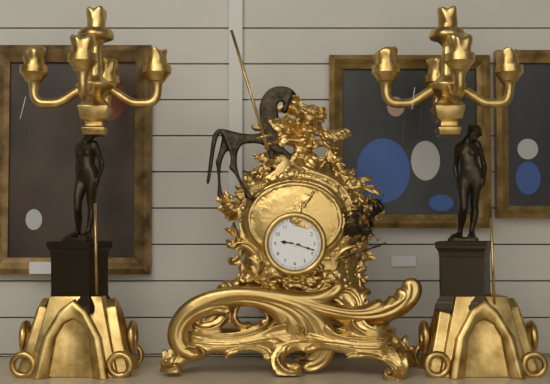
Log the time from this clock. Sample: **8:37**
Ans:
**9:18**
